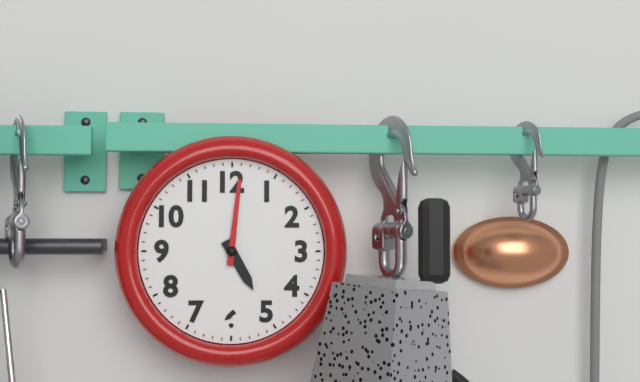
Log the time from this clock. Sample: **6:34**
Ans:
**5:01**
